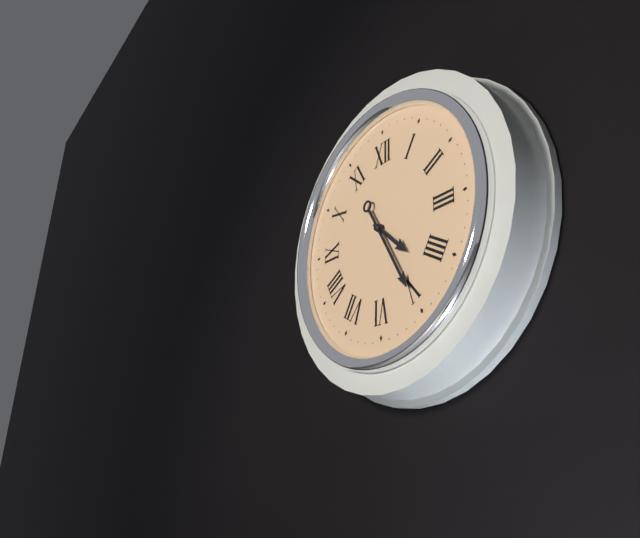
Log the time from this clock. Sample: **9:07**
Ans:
**4:25**
